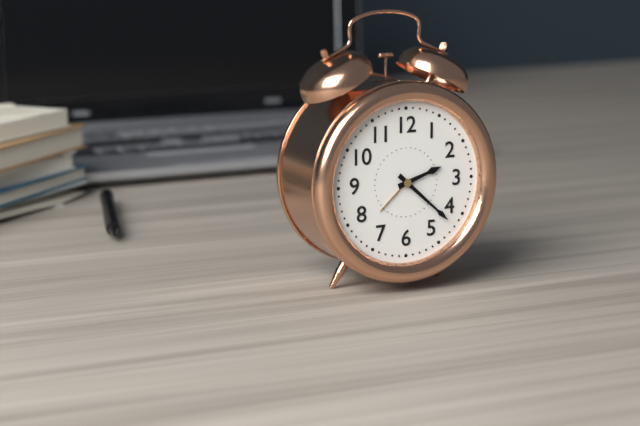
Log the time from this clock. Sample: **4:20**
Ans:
**2:22**
